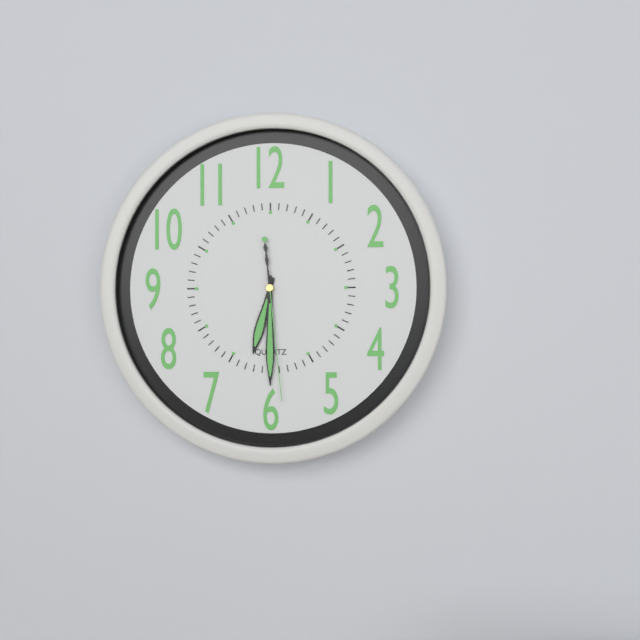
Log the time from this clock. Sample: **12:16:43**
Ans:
**6:30:29**
